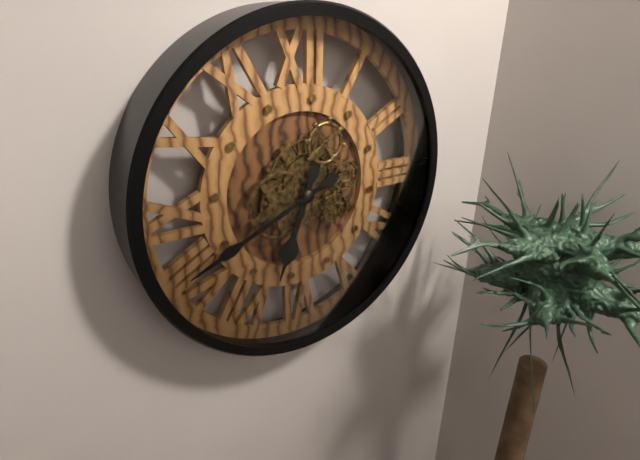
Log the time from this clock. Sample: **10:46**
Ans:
**6:41**
